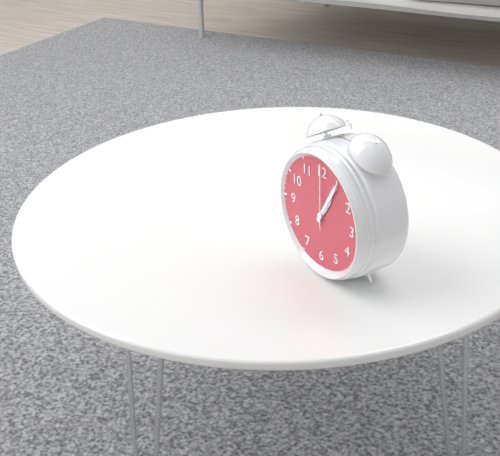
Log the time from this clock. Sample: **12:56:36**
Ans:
**1:05:00**
